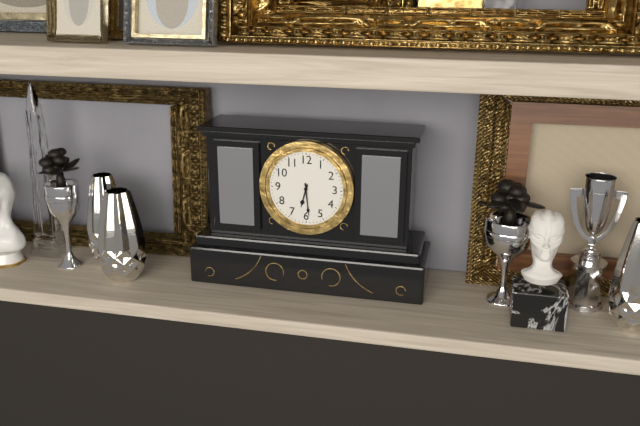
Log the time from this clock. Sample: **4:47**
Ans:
**6:29**
